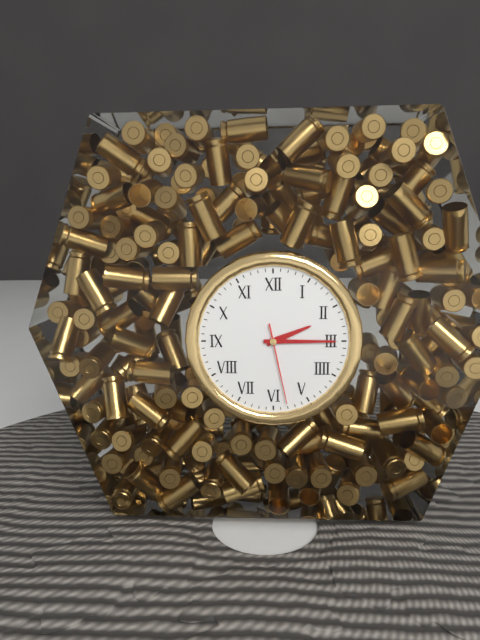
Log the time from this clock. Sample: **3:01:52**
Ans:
**2:15:28**
